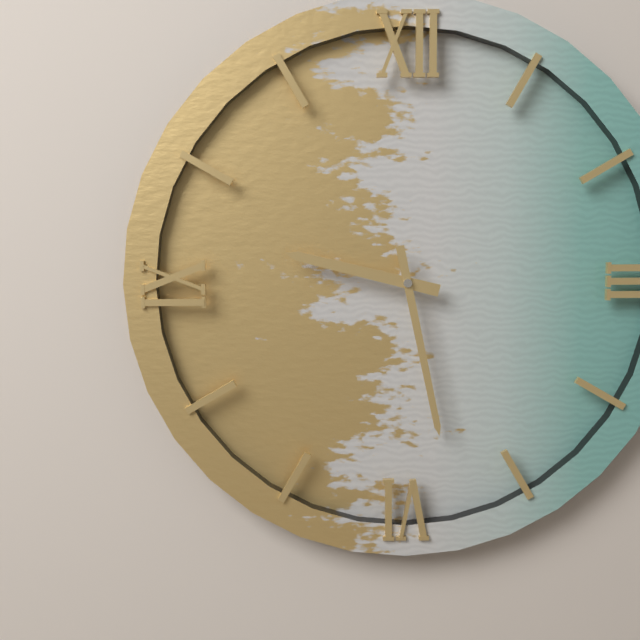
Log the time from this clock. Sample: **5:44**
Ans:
**9:28**
